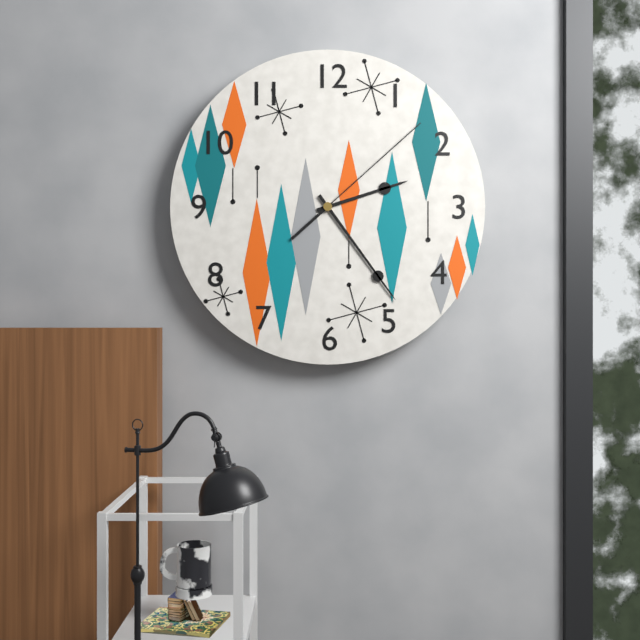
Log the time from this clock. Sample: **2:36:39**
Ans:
**2:24:08**
